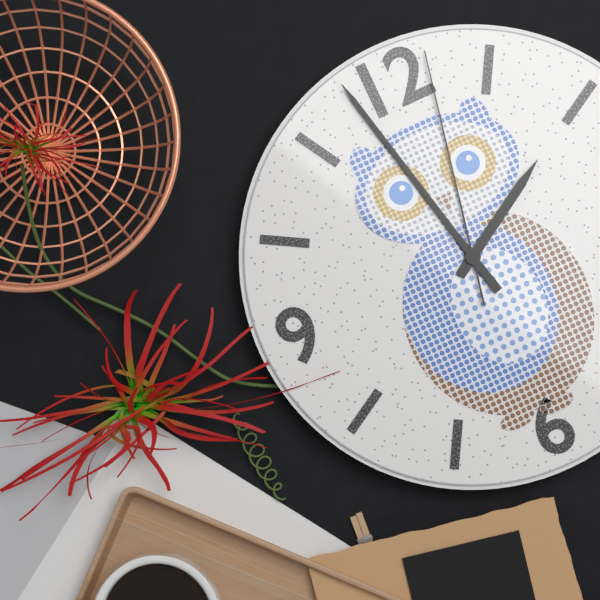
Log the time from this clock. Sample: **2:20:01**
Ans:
**1:58:02**
